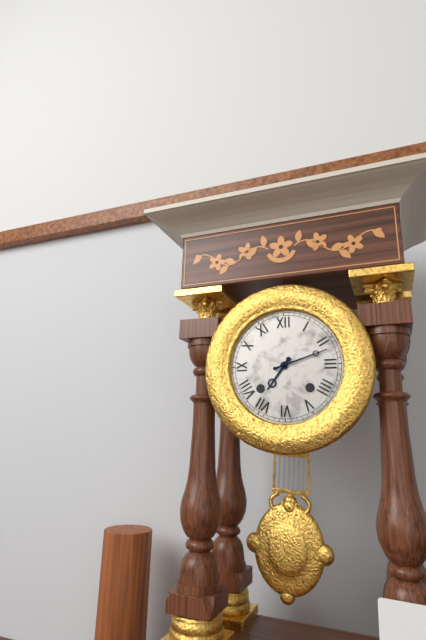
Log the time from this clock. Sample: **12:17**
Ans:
**7:12**
